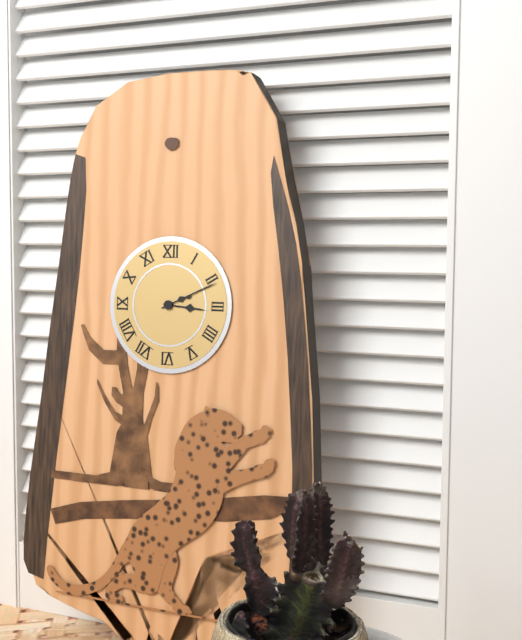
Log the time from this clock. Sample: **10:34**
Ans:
**3:11**
